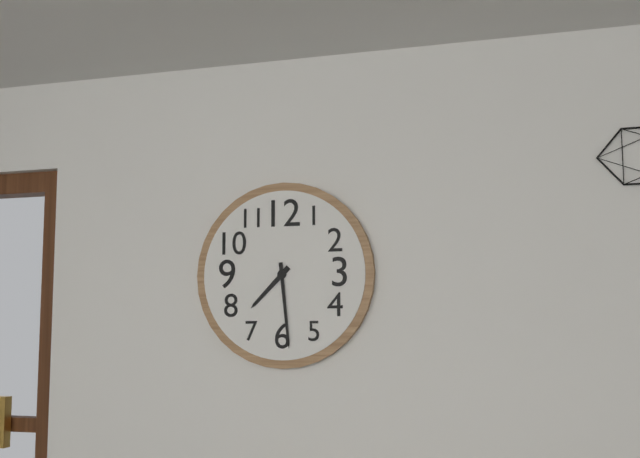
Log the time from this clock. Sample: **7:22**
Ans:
**7:29**
